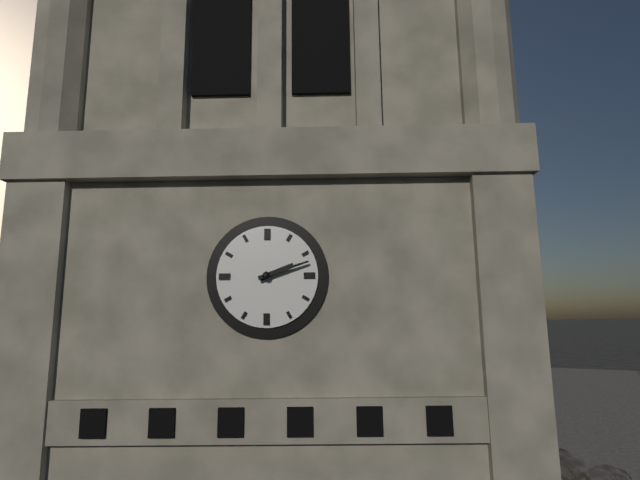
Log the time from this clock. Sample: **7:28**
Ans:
**2:12**
